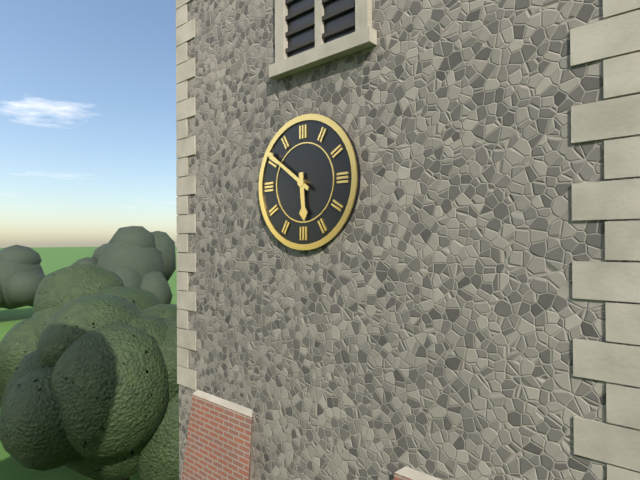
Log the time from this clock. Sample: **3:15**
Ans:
**5:51**
